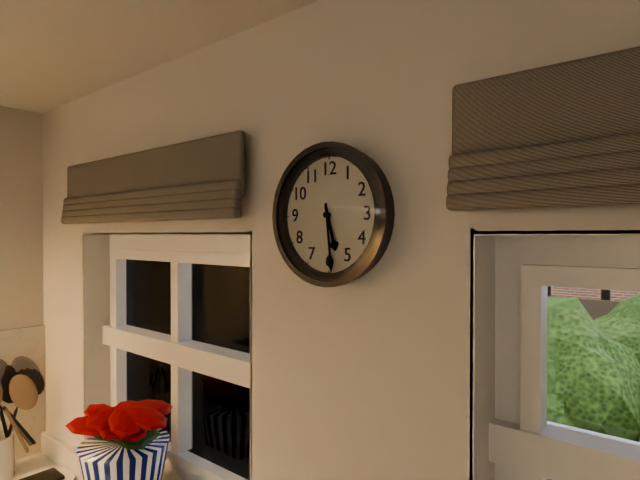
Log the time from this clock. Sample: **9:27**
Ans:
**5:29**
